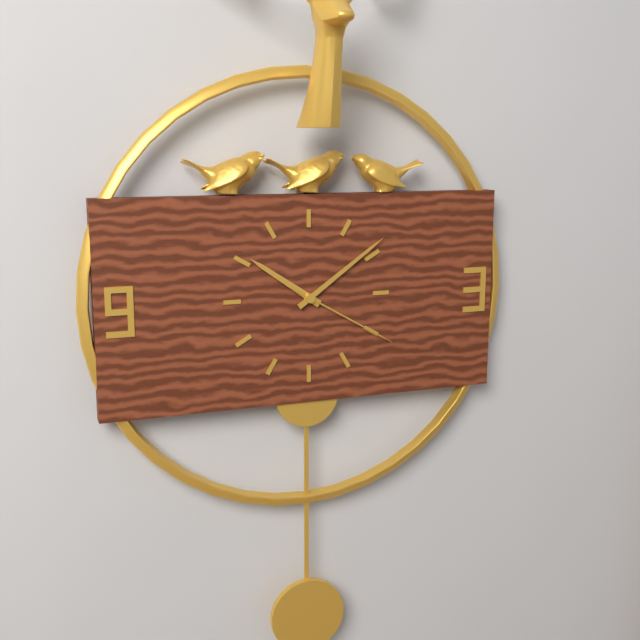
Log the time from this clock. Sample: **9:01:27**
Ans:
**10:09:20**
